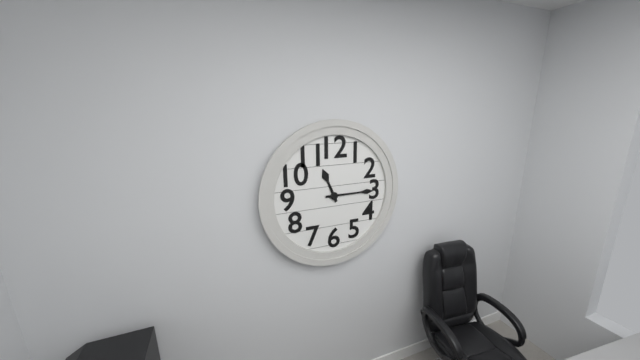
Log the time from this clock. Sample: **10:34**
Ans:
**11:15**
